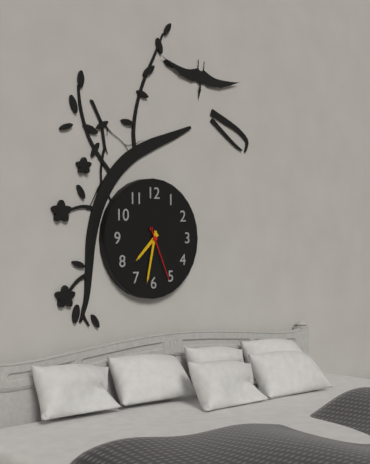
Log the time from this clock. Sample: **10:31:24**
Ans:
**7:32:26**
